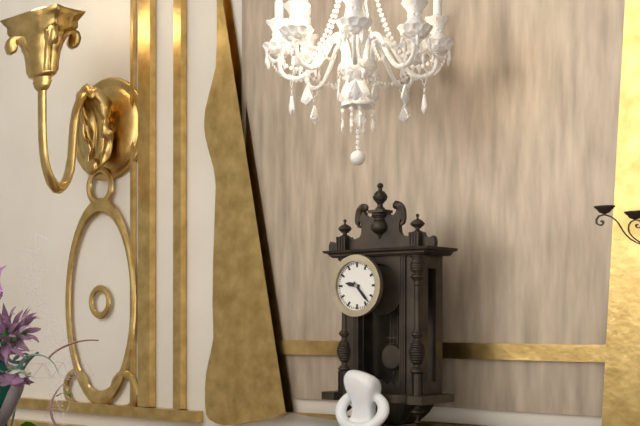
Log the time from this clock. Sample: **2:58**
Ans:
**9:23**
